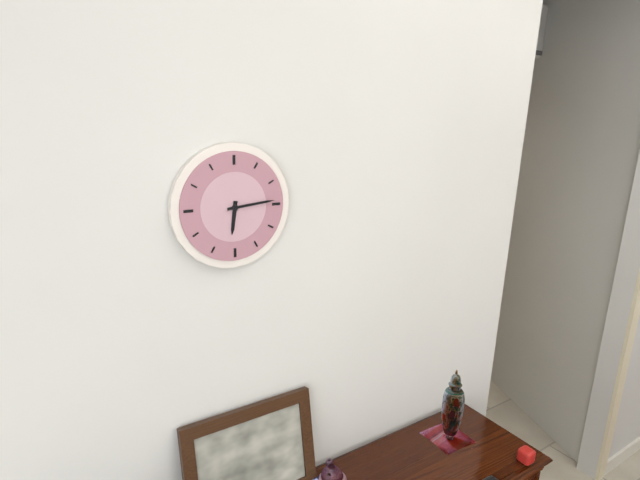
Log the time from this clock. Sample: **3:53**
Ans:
**6:14**
